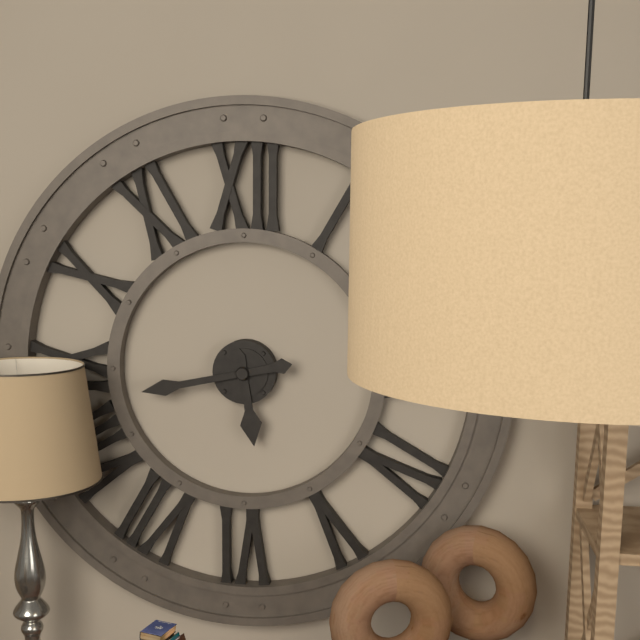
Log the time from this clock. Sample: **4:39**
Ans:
**5:43**
